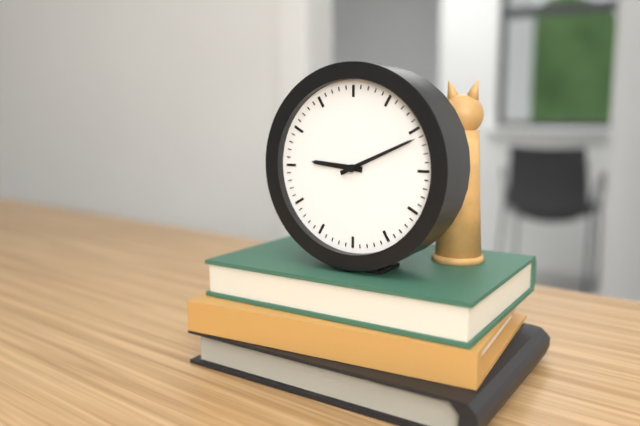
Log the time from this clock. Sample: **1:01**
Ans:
**9:11**
